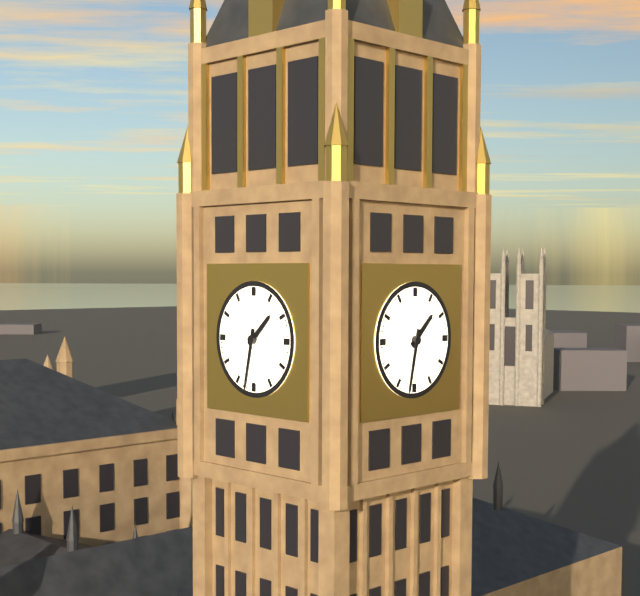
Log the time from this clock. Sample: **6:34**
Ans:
**1:32**
